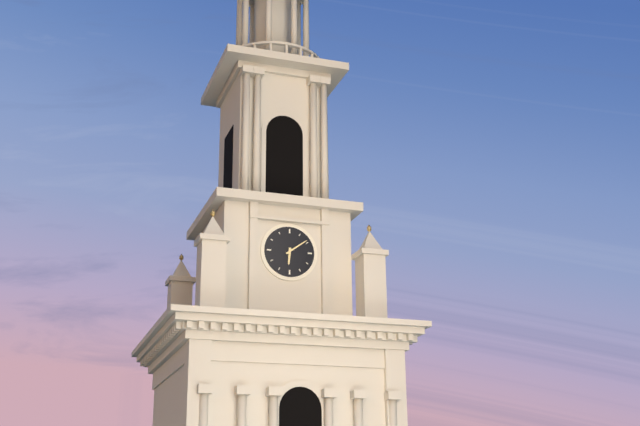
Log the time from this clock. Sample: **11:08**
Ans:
**6:09**
